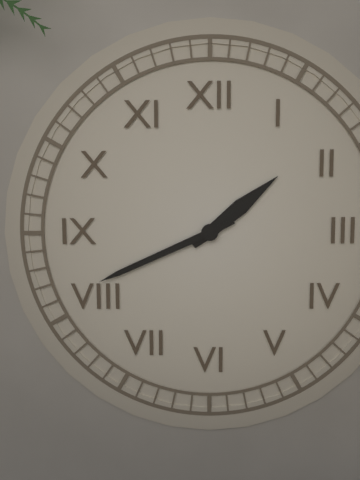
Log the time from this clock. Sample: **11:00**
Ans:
**1:41**
